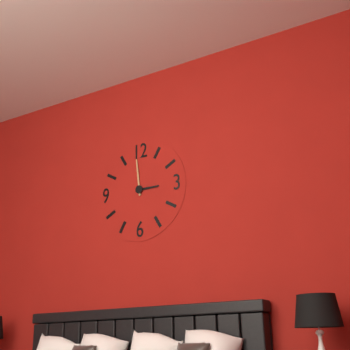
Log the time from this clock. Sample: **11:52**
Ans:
**2:59**
